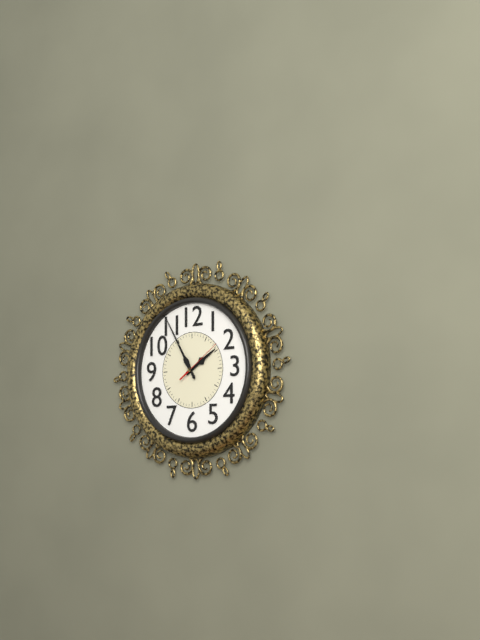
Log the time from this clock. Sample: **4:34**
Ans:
**1:55**
